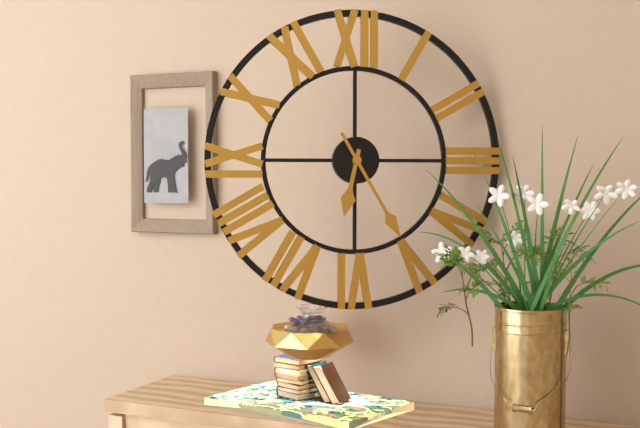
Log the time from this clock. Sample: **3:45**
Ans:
**6:25**
